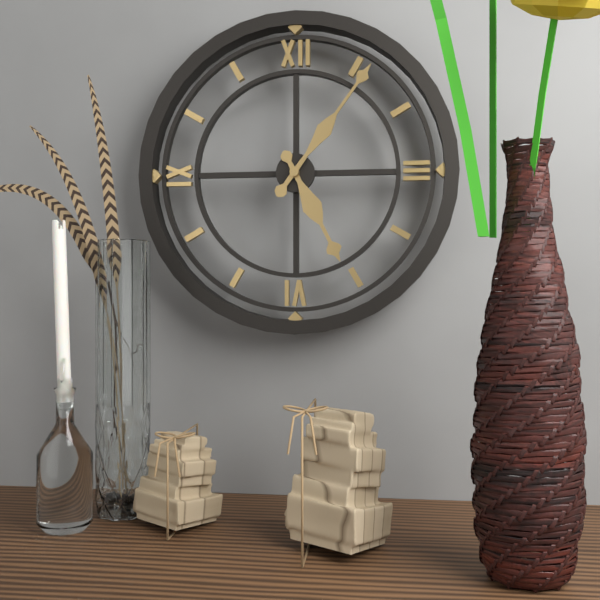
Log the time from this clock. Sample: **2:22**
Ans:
**5:06**
